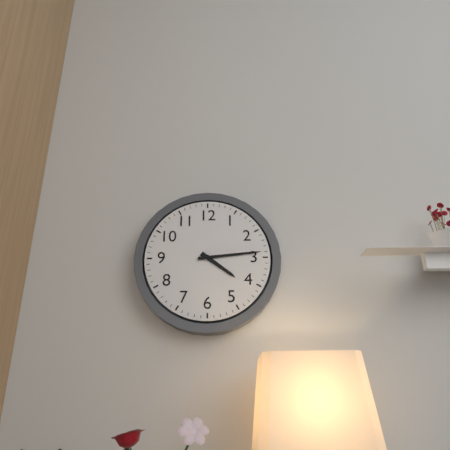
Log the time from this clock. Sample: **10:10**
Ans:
**4:14**
